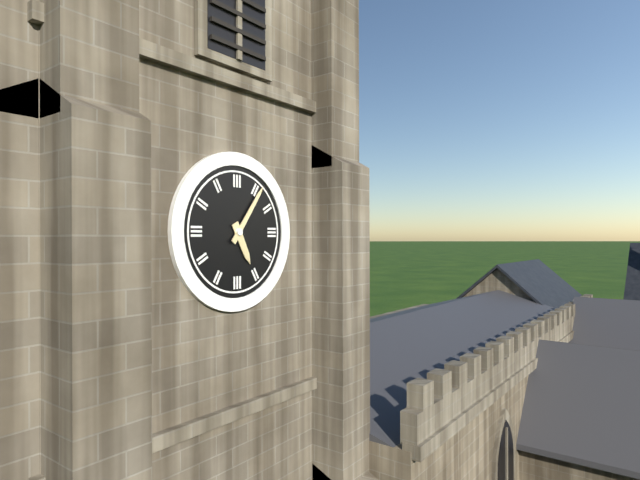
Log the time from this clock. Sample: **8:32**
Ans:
**5:06**
